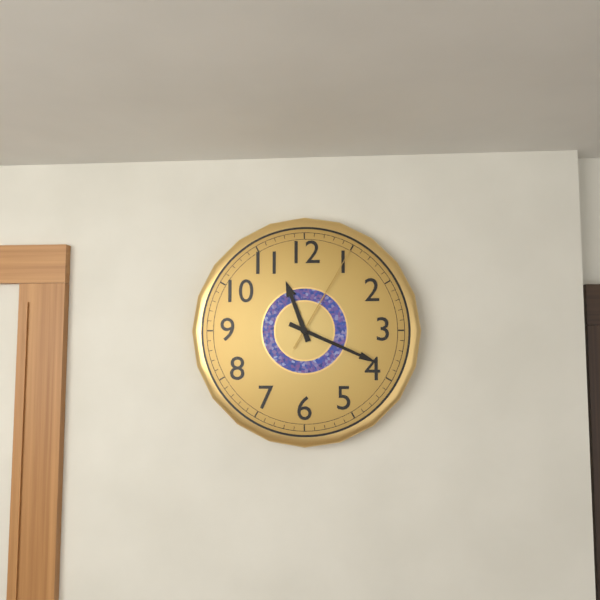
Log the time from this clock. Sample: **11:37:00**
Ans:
**11:19:05**
